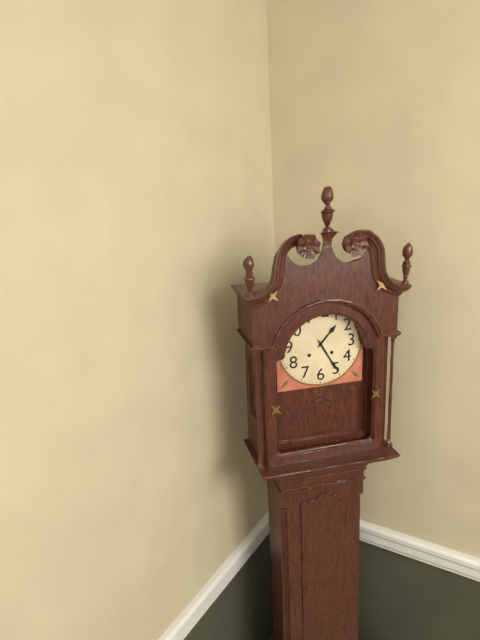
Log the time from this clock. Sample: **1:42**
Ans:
**1:25**
